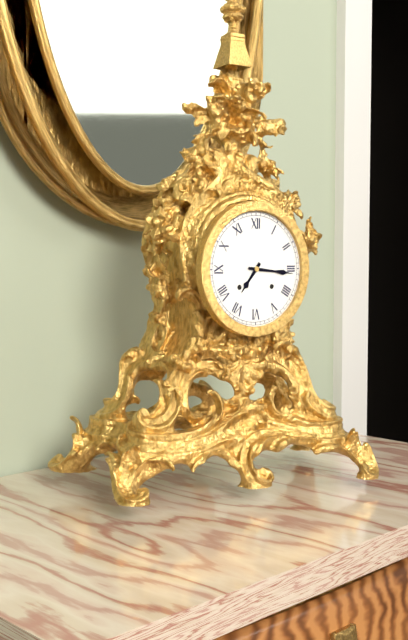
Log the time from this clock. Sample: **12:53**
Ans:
**7:16**
